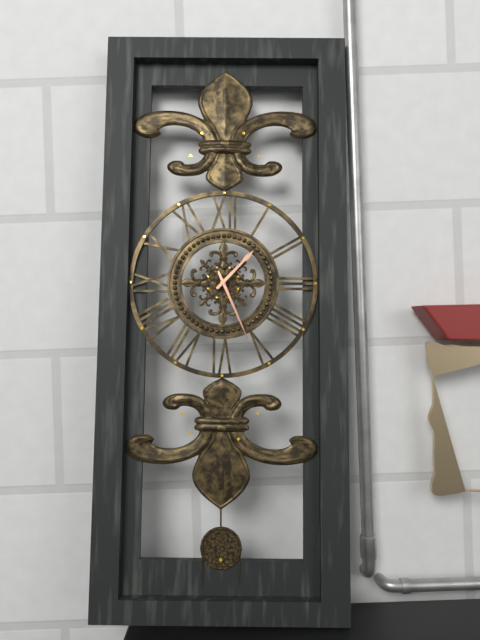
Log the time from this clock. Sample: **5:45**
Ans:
**1:26**
